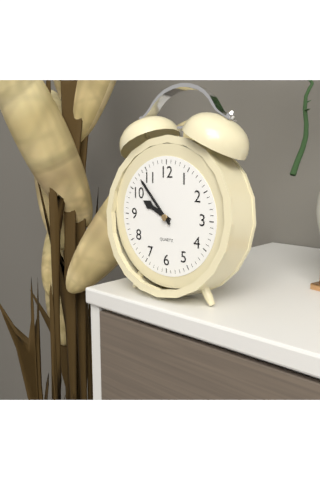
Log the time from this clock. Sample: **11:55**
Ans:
**9:53**
